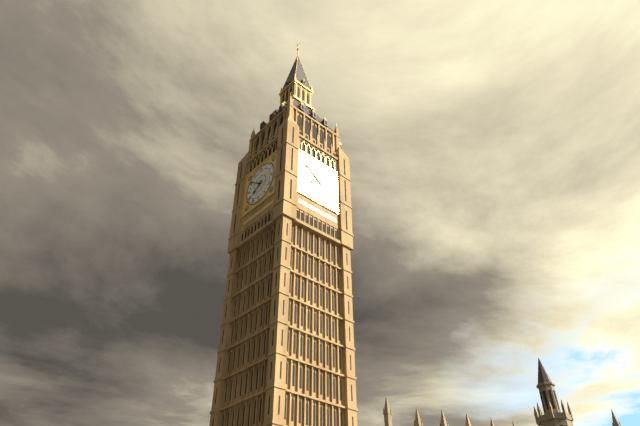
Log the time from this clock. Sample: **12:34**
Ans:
**7:51**
